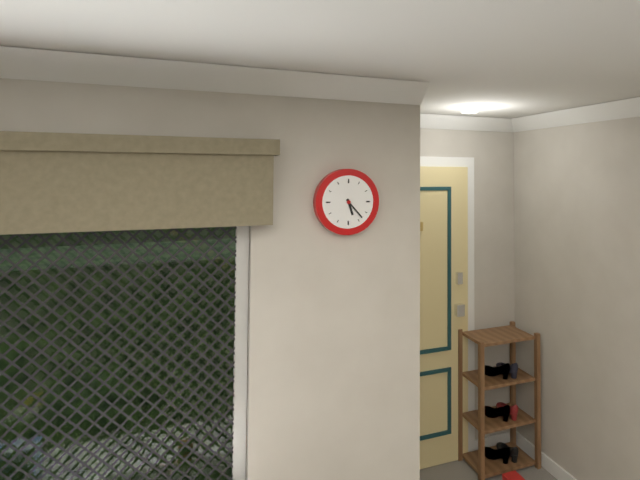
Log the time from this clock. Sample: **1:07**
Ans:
**5:23**
